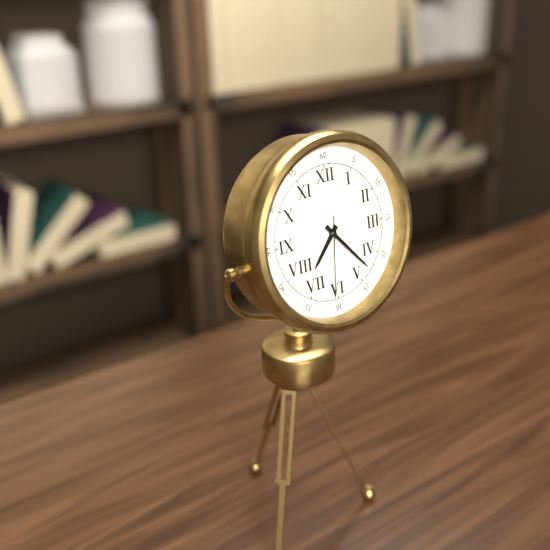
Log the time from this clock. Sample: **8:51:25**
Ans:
**7:23:31**
